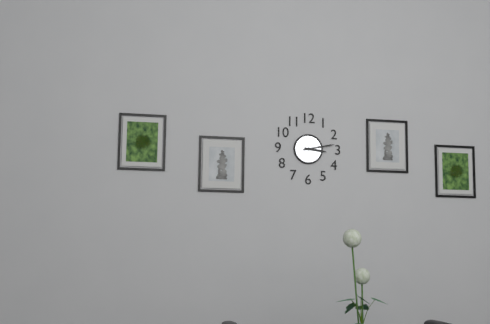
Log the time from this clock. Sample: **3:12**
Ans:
**3:13**
